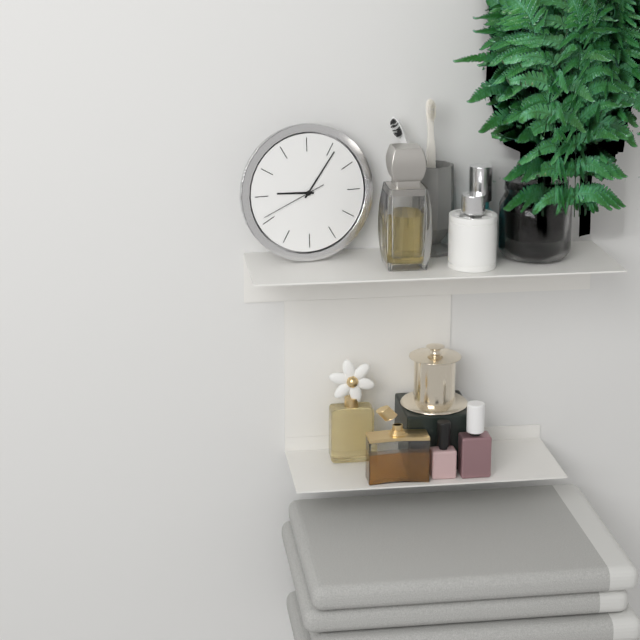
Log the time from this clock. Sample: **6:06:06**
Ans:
**9:06:41**
